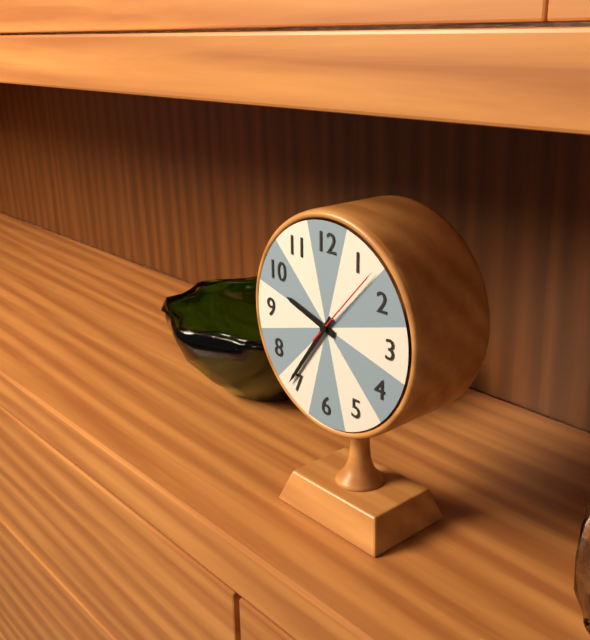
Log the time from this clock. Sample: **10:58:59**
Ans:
**9:36:07**
